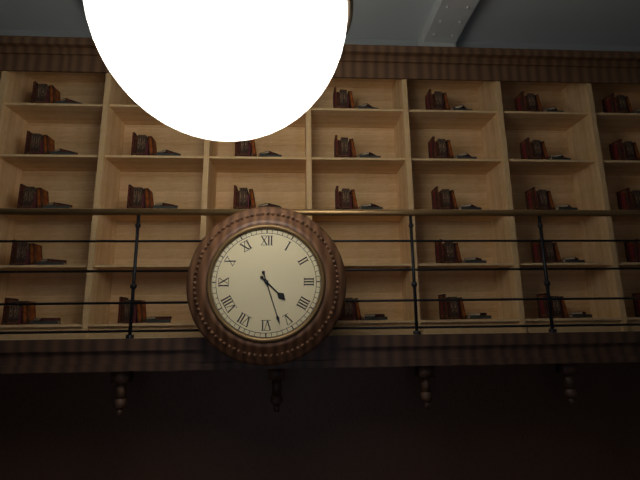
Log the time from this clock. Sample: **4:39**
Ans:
**4:27**
